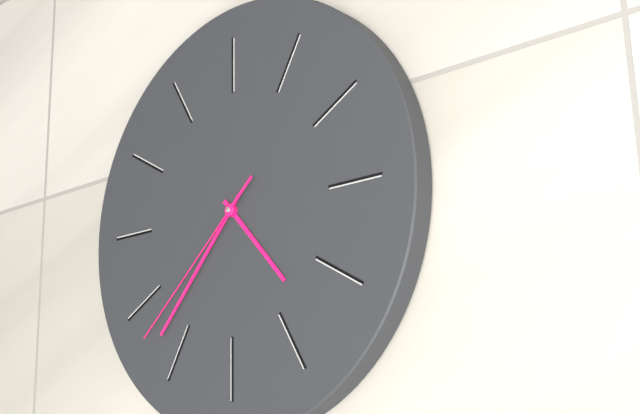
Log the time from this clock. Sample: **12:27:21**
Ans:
**4:37:38**
